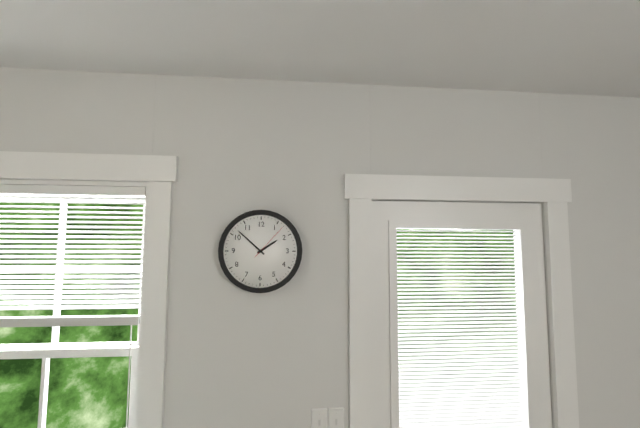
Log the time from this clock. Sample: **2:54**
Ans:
**1:52**
